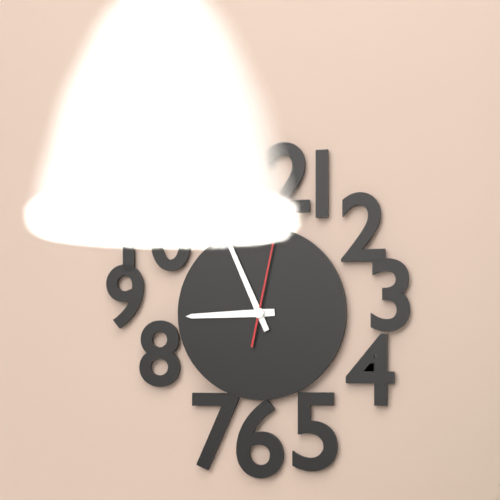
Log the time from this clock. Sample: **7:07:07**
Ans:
**8:56:02**
